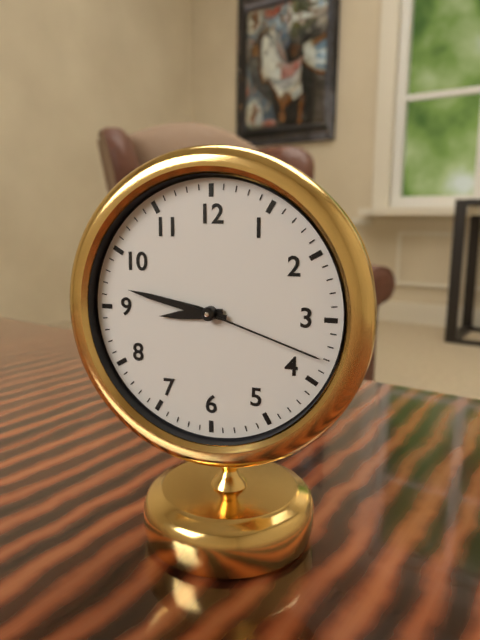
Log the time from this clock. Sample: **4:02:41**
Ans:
**8:47:18**
